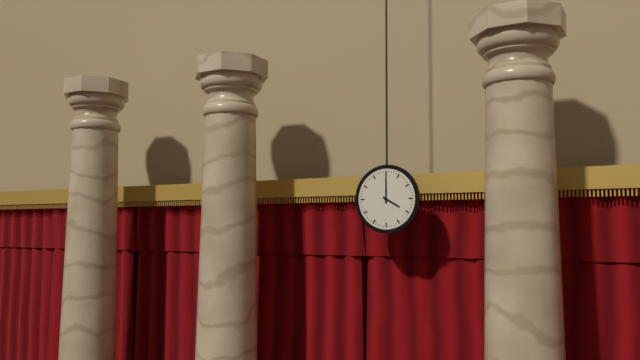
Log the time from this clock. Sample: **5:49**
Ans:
**4:00**
